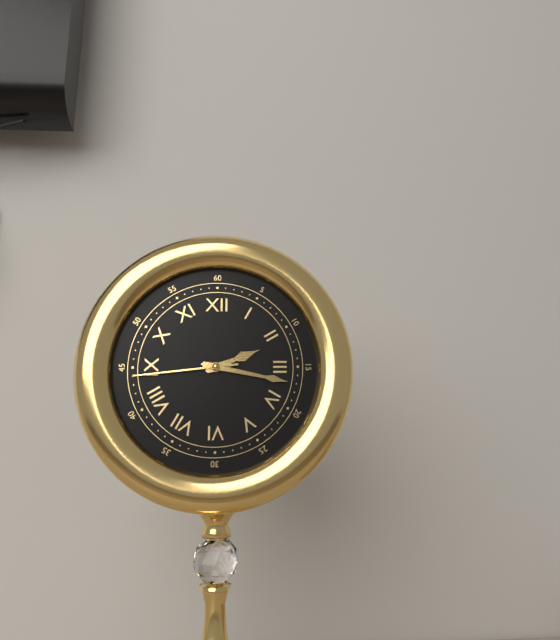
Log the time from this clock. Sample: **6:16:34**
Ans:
**2:17:44**
